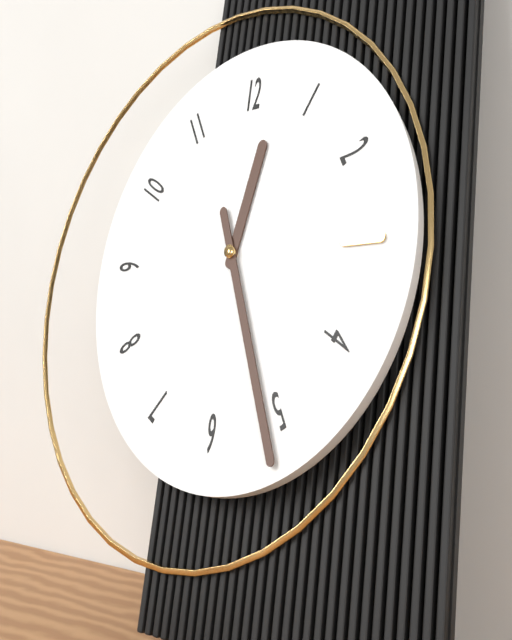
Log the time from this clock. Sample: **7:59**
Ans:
**12:26**
